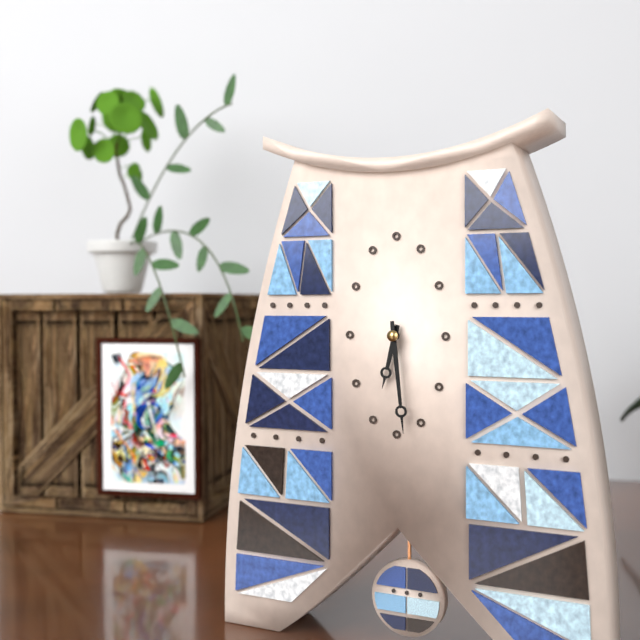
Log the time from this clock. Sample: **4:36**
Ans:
**6:29**
